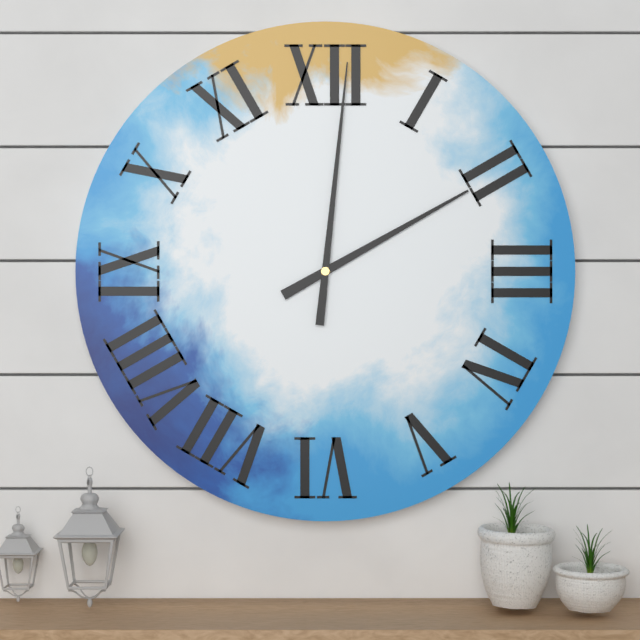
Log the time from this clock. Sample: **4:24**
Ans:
**2:01**
